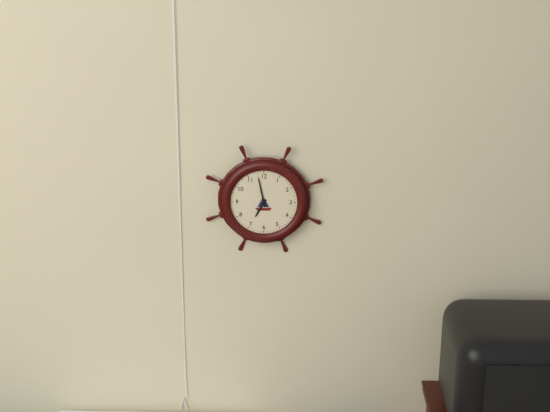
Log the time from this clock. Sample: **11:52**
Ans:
**6:58**
